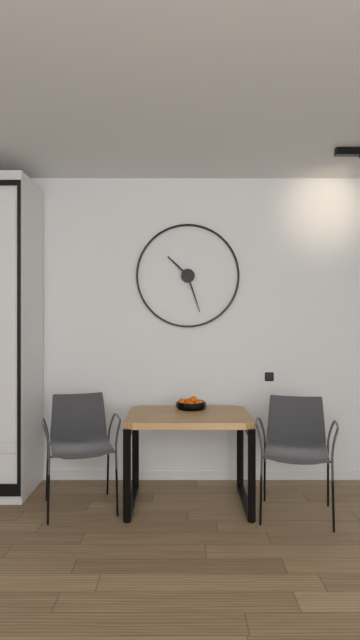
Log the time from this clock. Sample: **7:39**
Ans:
**10:27**
